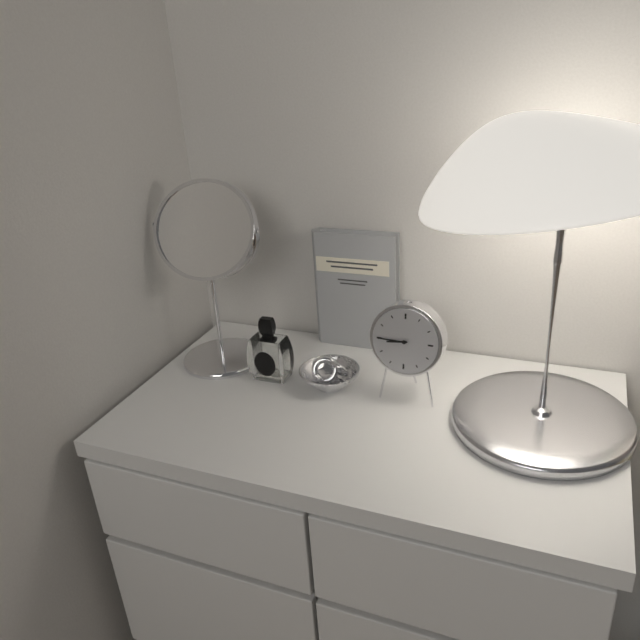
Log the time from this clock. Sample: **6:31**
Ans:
**8:45**
